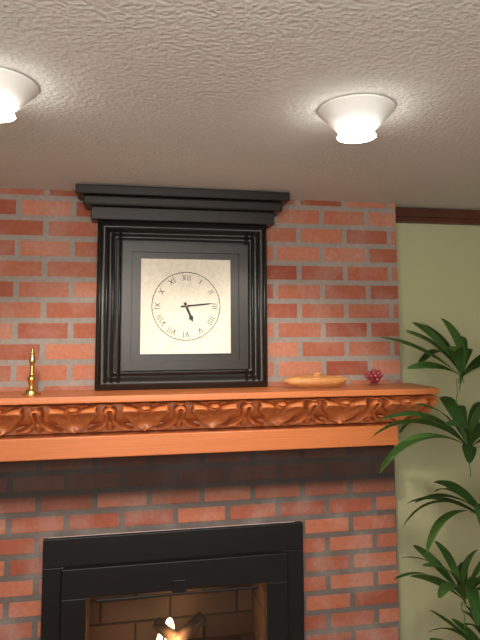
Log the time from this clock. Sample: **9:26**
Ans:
**5:14**
